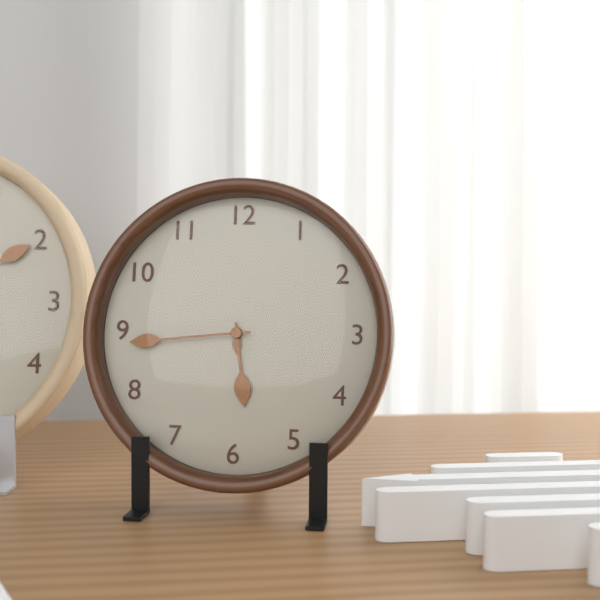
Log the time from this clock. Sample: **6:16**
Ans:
**5:44**
